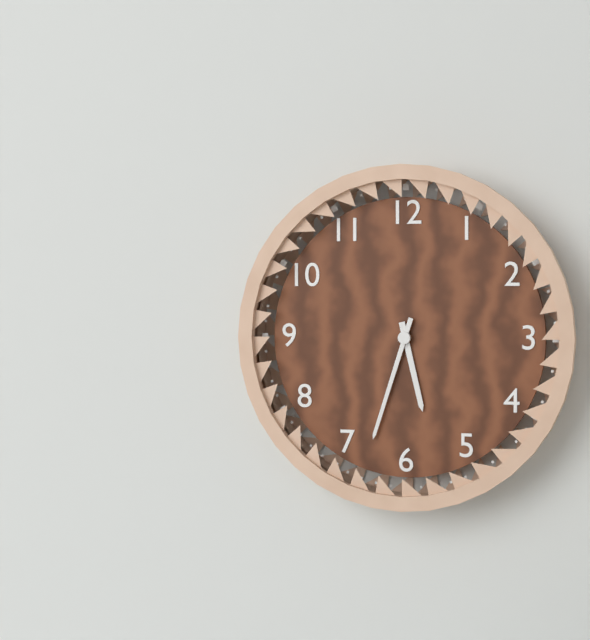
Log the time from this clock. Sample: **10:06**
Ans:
**5:33**
